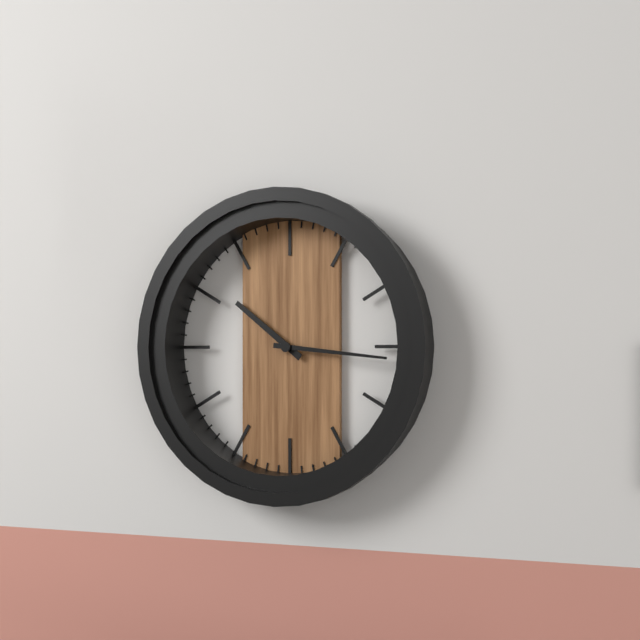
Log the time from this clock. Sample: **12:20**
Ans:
**10:16**
